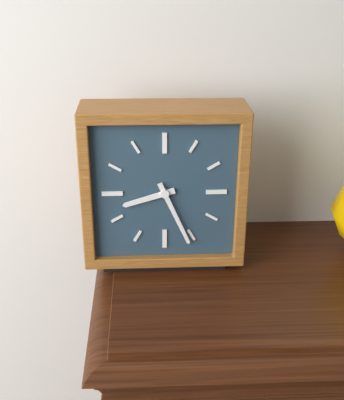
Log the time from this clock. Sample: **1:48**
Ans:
**8:26**
